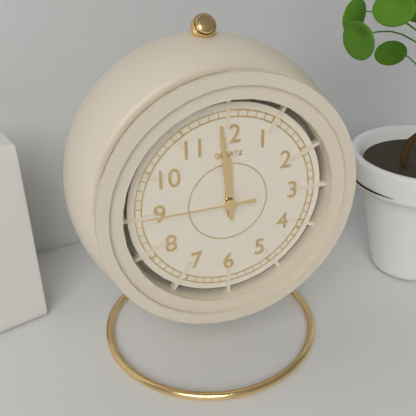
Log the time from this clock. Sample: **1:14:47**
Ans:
**11:59:45**
